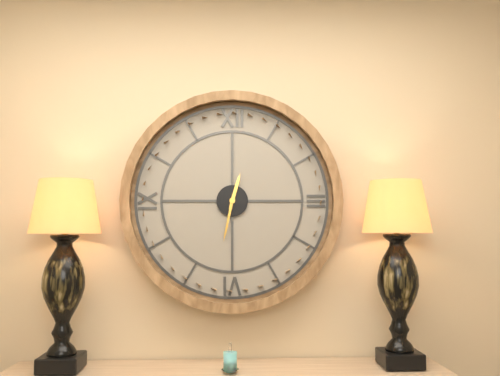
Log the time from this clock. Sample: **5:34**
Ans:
**12:32**
